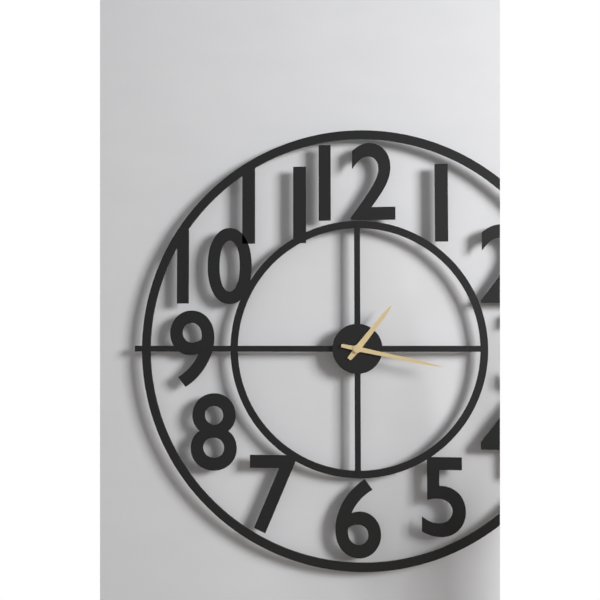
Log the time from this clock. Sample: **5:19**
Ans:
**1:17**
